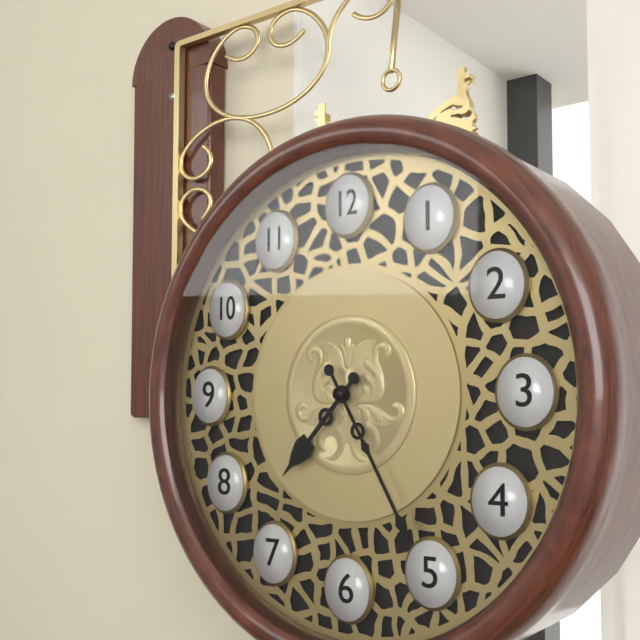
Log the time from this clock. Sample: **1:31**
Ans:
**7:25**
